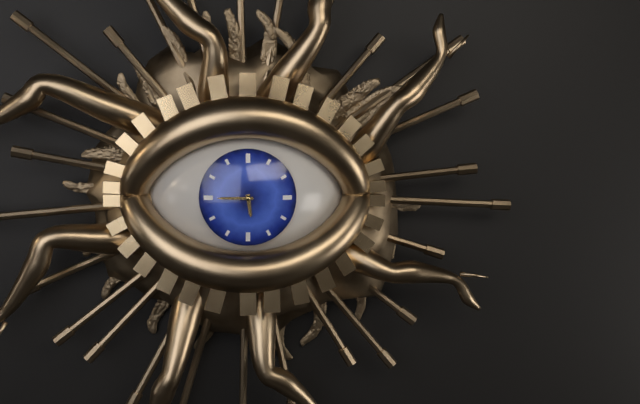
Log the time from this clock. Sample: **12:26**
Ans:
**5:45**
